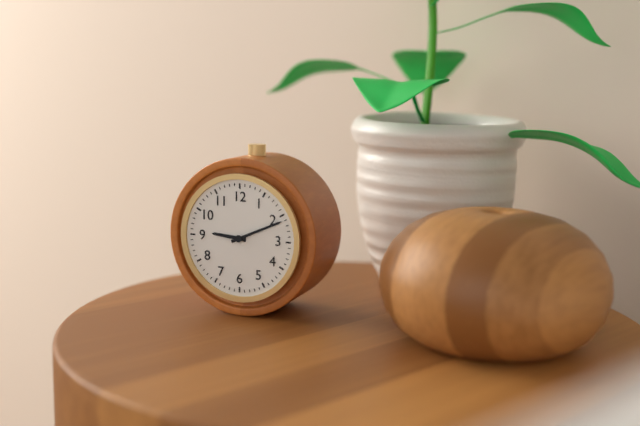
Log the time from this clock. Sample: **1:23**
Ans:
**9:11**
